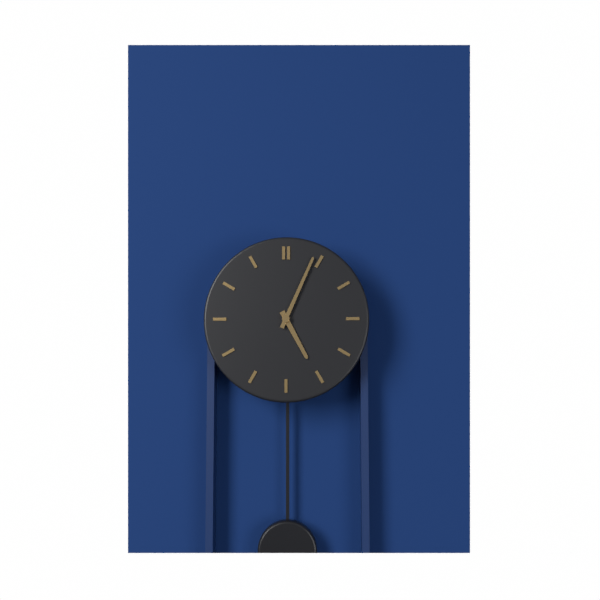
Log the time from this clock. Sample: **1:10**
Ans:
**5:04**
